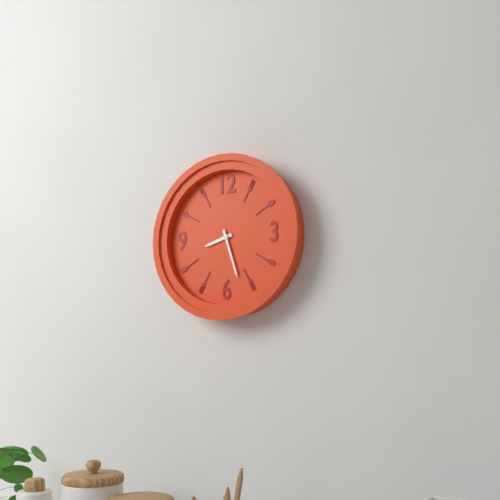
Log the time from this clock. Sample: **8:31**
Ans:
**8:27**
